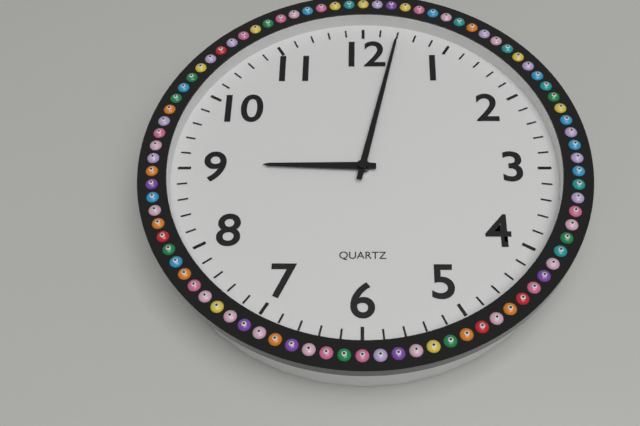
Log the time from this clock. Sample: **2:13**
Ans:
**9:02**
